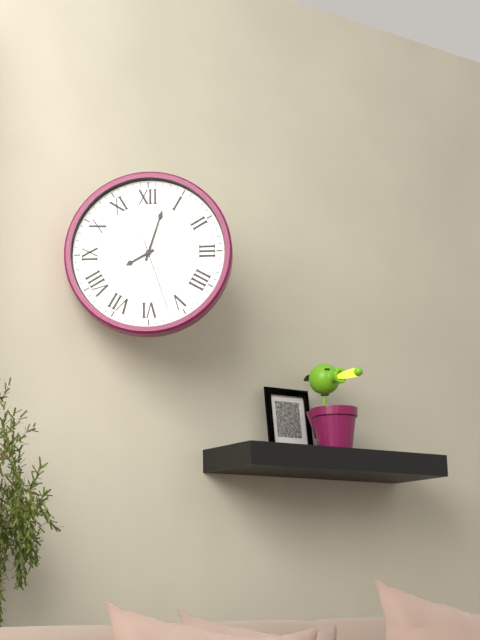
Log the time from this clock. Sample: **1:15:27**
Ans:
**8:03:27**
